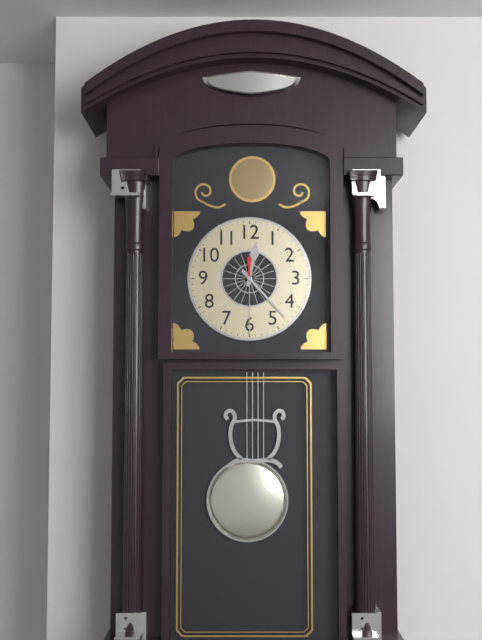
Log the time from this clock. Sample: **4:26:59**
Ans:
**12:23:30**
